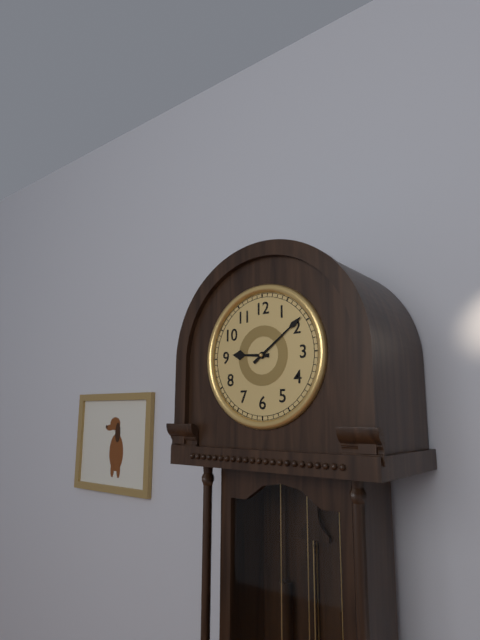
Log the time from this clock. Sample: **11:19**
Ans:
**9:09**
